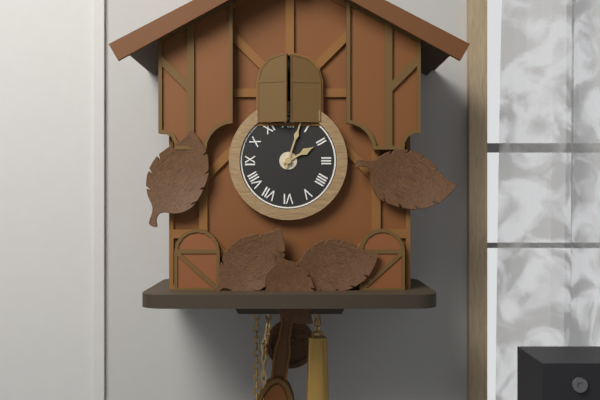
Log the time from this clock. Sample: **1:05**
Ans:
**2:03**
